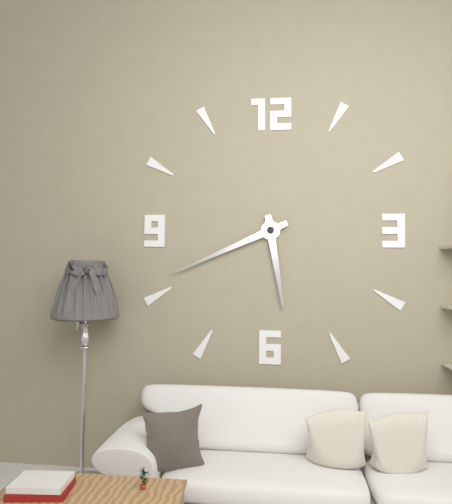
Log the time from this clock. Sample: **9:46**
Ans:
**5:41**
